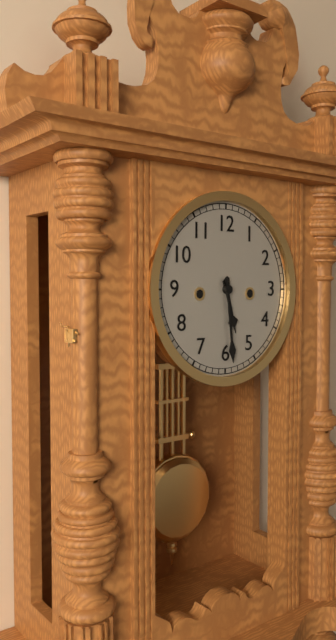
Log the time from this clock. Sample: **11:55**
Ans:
**5:29**
